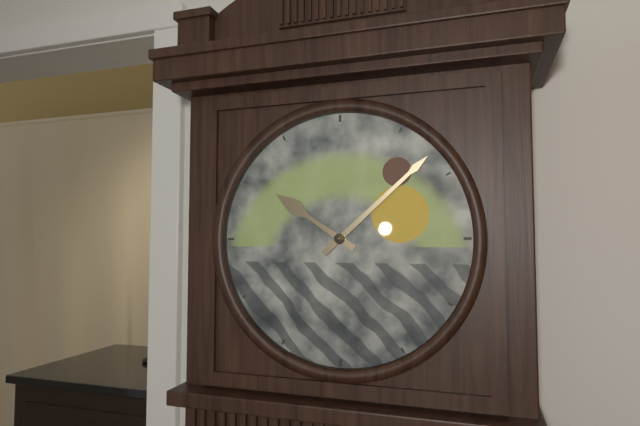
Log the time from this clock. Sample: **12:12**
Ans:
**10:08**
